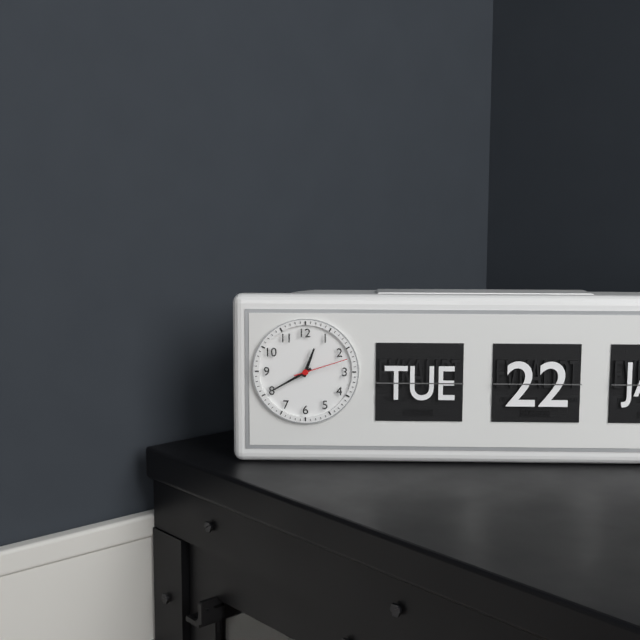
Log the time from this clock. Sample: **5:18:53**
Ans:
**12:40:12**
